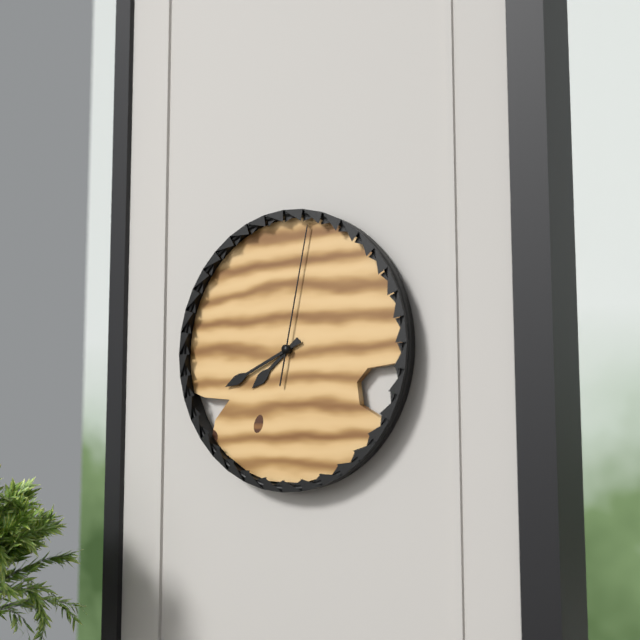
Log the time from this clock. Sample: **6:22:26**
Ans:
**7:41:02**
